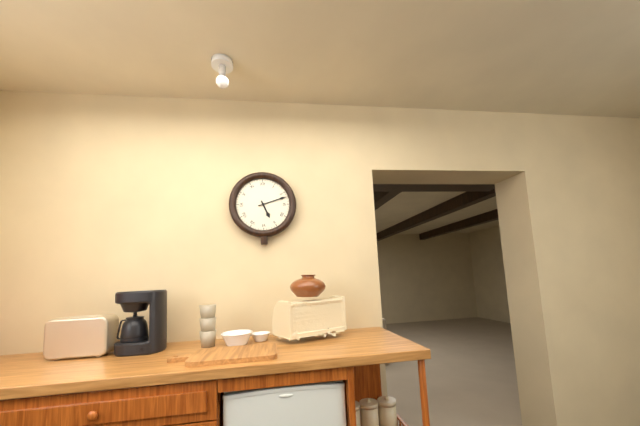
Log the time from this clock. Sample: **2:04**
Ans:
**5:12**
